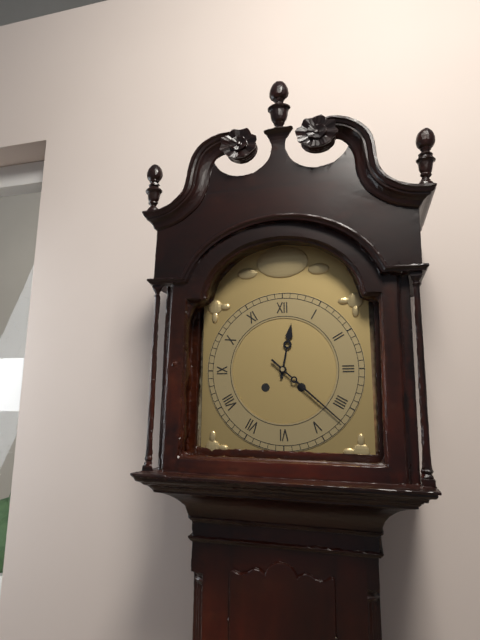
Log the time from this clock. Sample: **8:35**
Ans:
**12:22**
